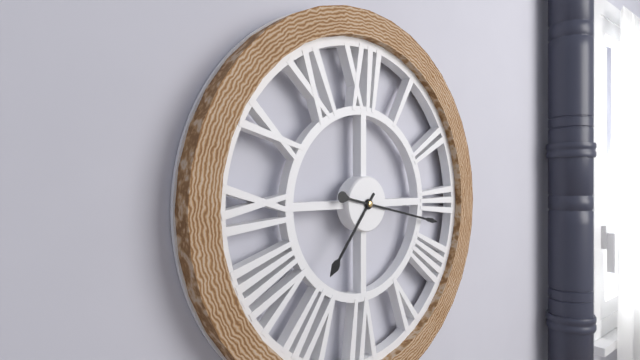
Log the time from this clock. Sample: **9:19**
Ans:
**7:17**
